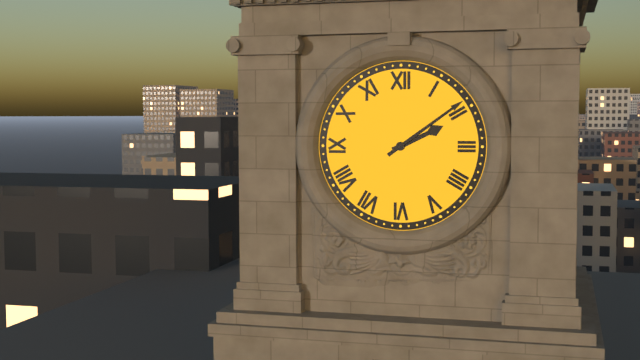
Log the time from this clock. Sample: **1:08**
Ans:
**2:09**
